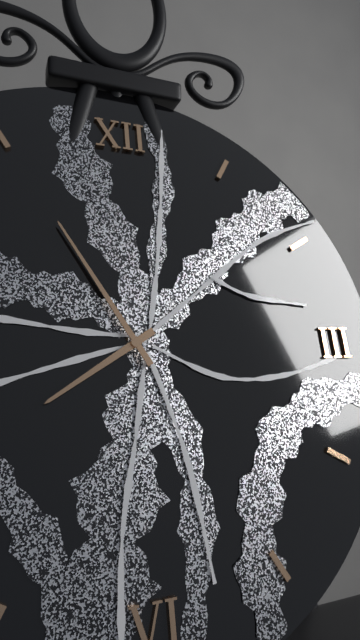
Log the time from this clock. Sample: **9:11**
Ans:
**7:55**
